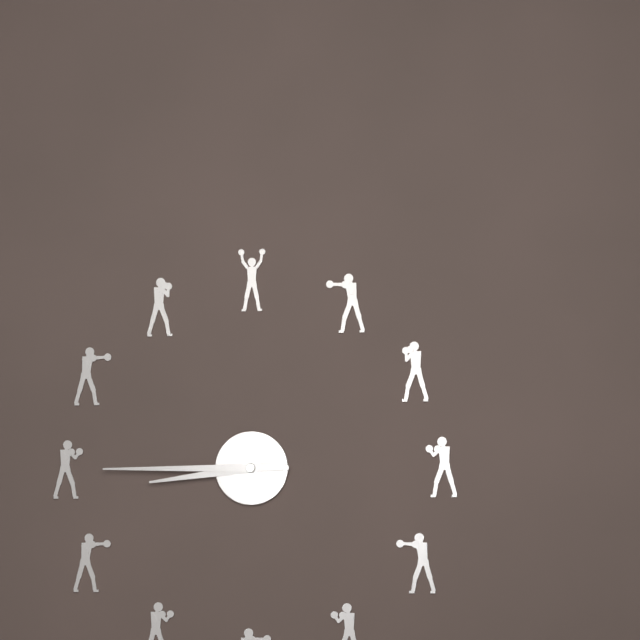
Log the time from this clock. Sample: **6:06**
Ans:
**8:45**
